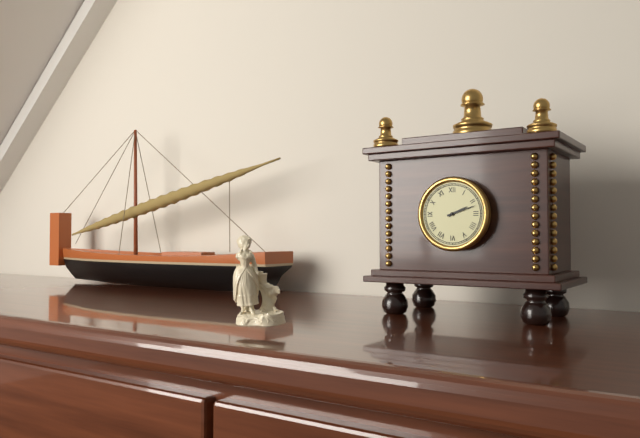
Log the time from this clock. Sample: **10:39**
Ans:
**2:12**
